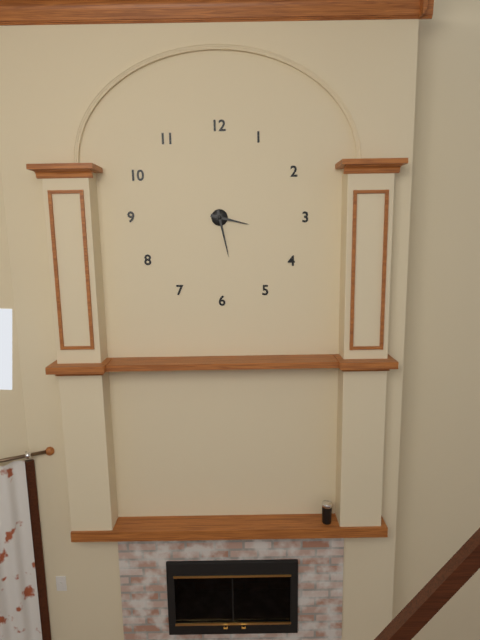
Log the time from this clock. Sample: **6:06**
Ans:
**3:28**
